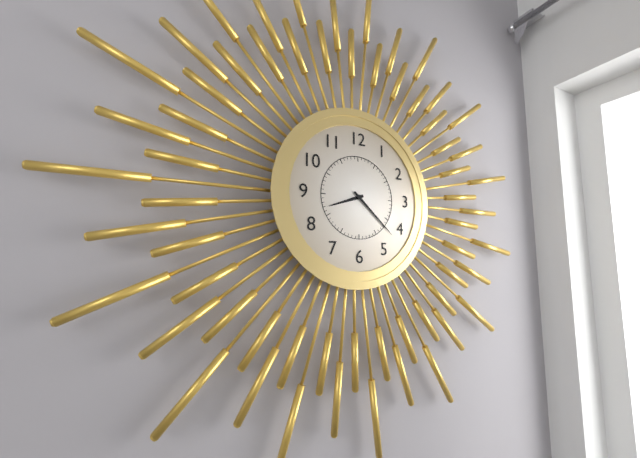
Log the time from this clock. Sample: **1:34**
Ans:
**8:22**
